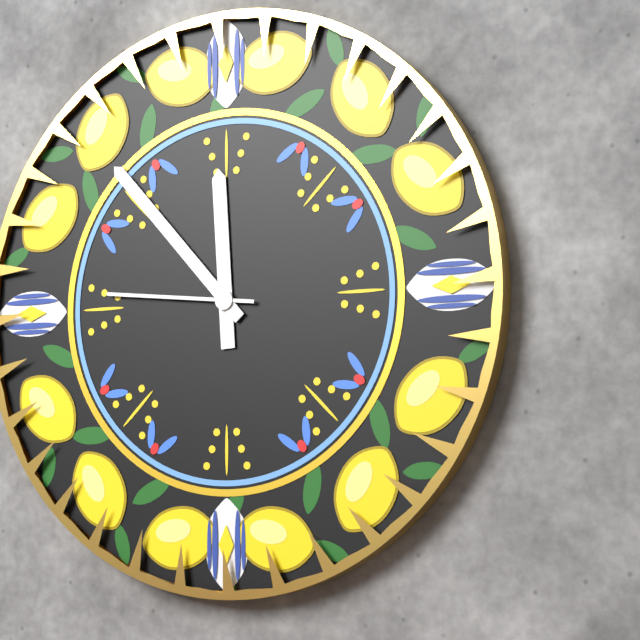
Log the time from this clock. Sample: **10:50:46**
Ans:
**11:53:46**
